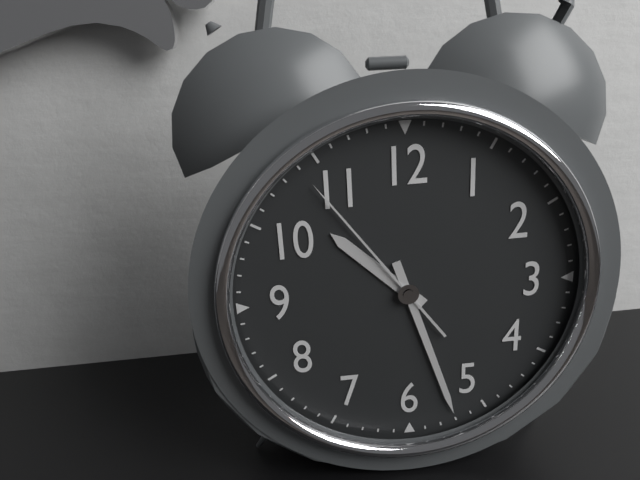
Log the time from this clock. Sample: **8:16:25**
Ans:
**10:27:54**
